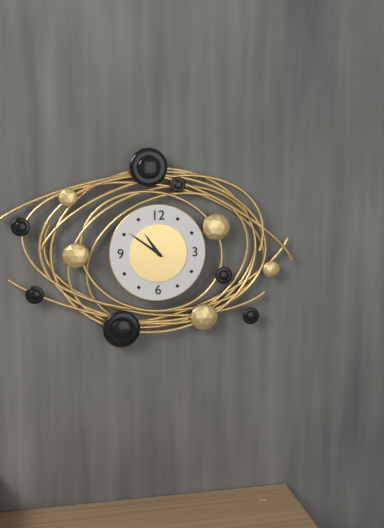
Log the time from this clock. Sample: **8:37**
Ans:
**10:51**
